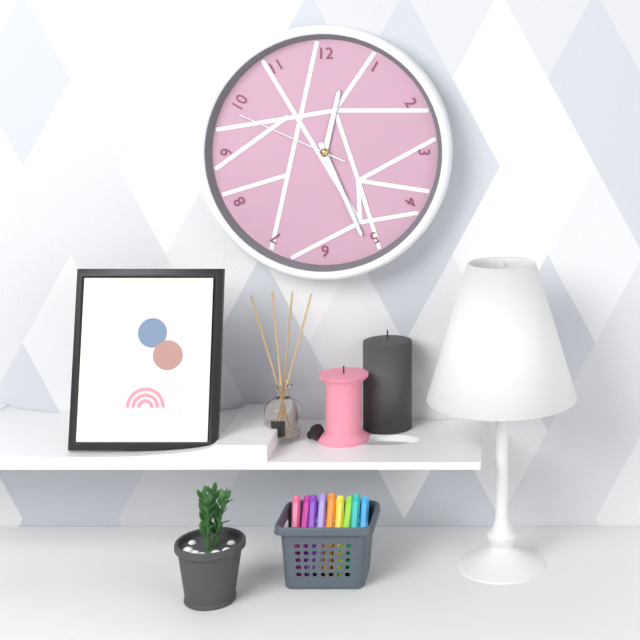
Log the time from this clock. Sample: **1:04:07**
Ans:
**12:26:49**
